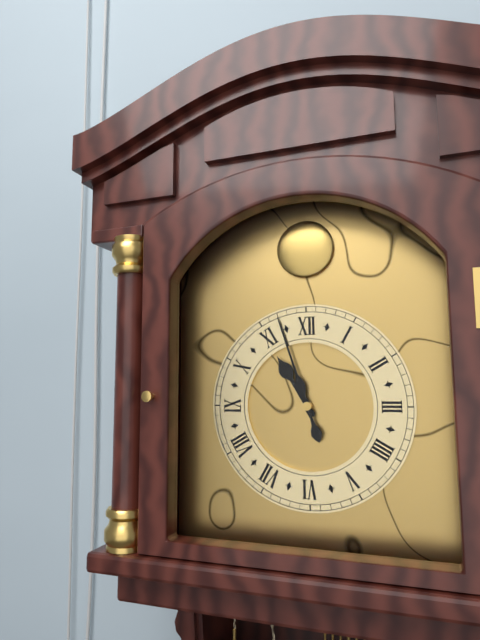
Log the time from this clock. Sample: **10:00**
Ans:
**10:57**
